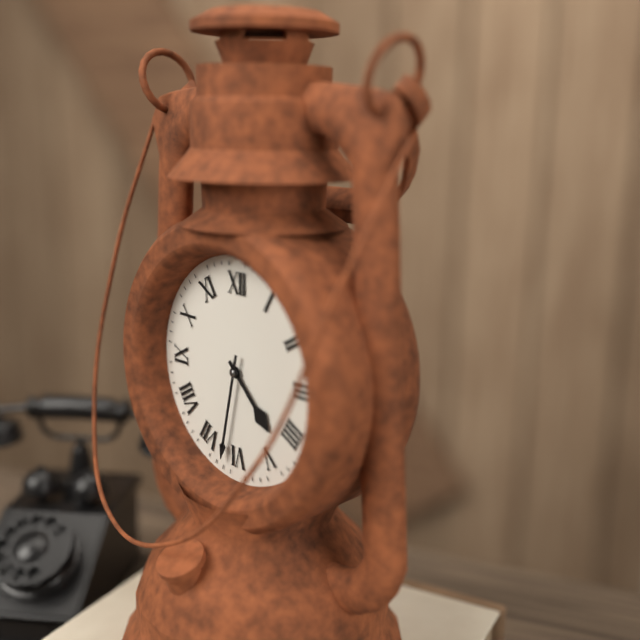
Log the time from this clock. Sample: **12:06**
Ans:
**4:32**
